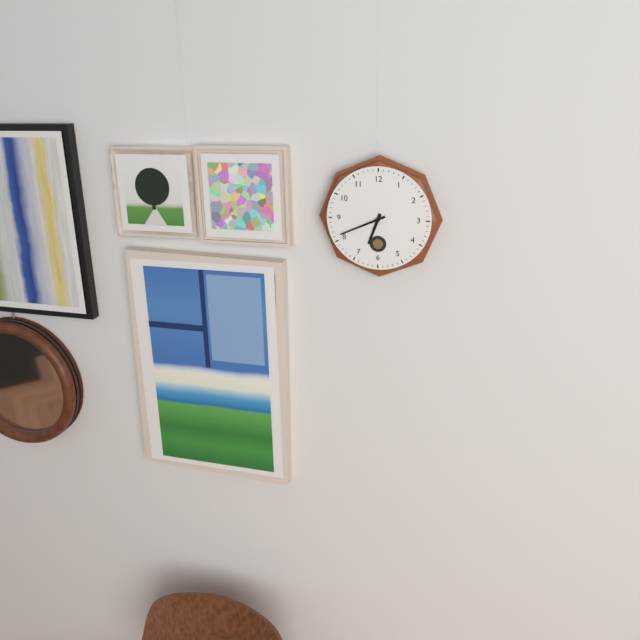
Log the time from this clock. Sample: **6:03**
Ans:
**6:41**
